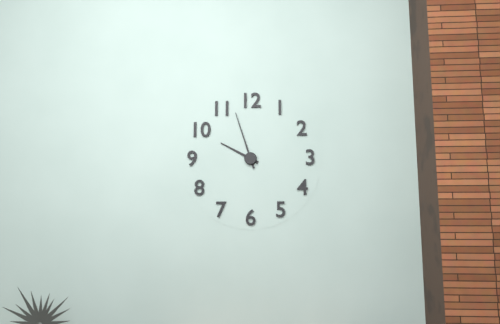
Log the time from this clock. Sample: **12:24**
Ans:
**9:57**
